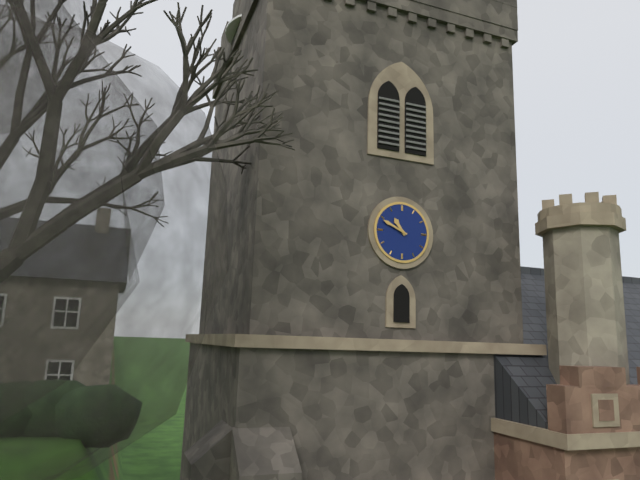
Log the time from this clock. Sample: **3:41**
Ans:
**10:49**
